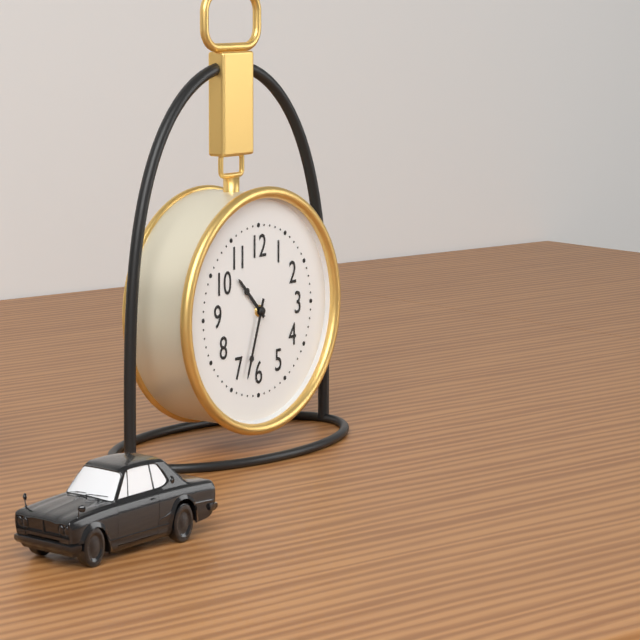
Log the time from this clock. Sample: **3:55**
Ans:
**10:33**
